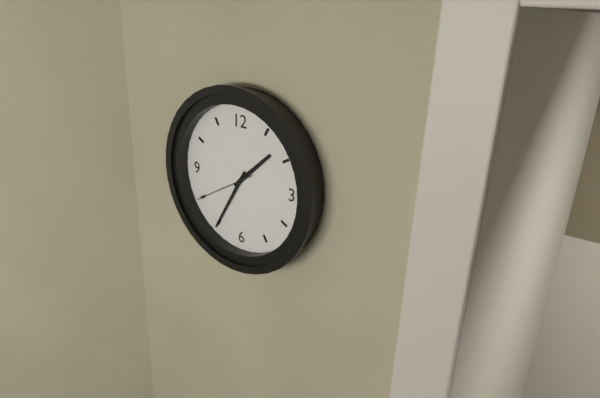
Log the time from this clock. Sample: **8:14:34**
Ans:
**1:35:40**
